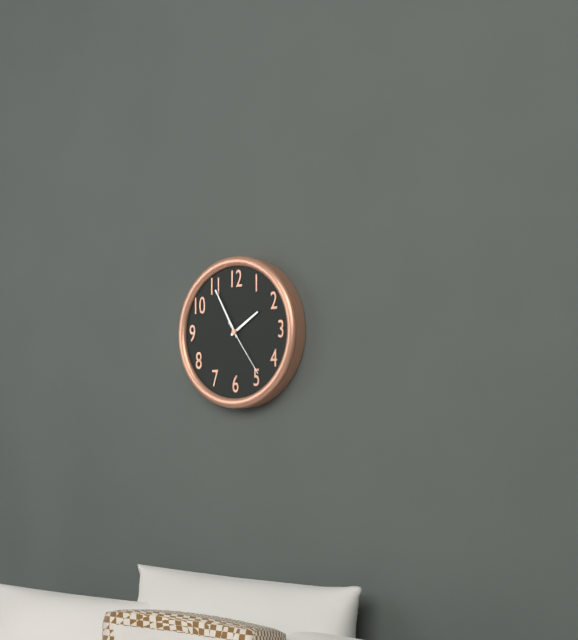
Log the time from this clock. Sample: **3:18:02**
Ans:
**1:55:24**
